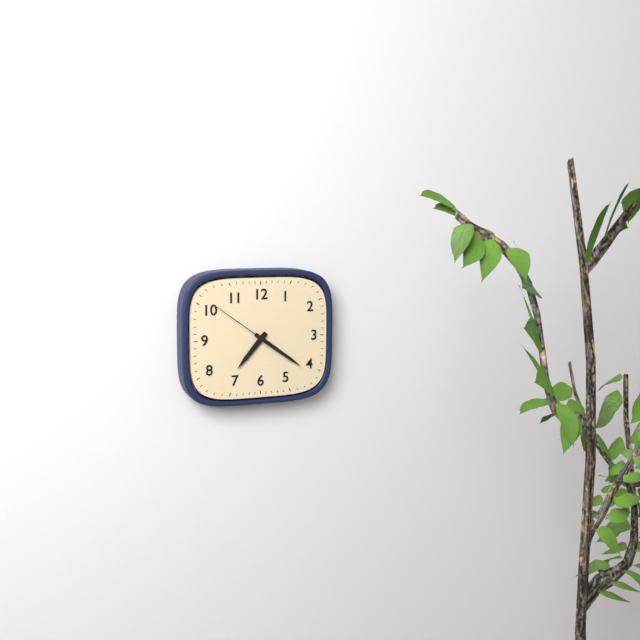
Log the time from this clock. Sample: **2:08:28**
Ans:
**7:21:51**
